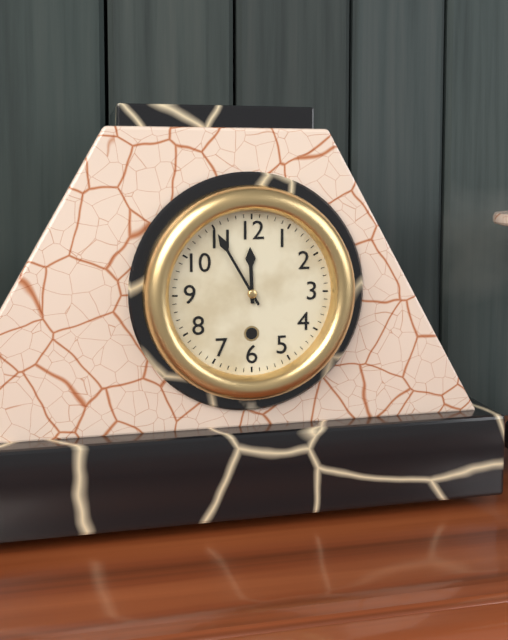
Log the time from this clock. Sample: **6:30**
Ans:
**11:55**
